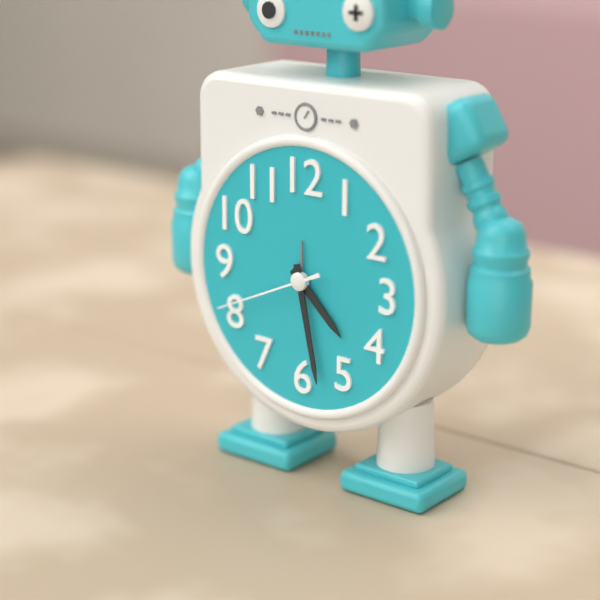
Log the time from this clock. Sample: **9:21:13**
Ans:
**4:28:41**
